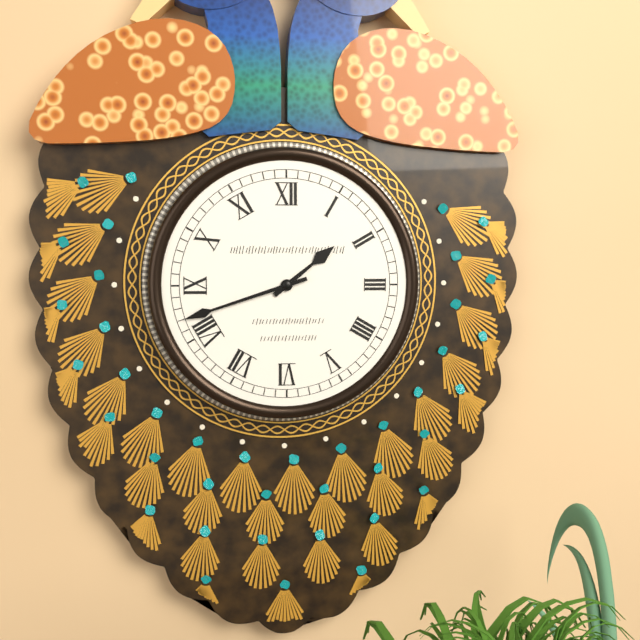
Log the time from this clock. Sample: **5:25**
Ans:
**1:42**
